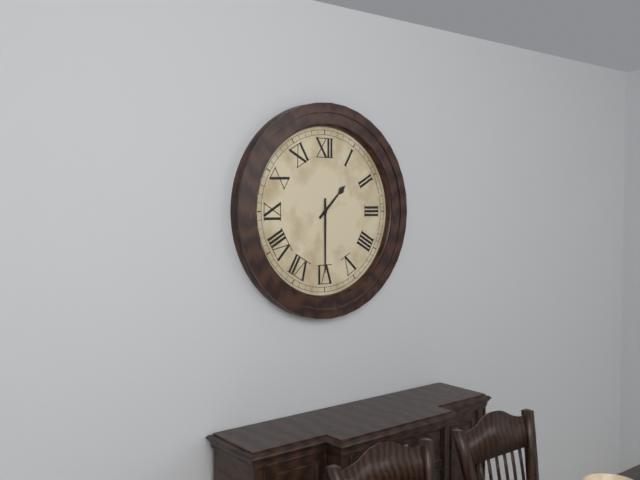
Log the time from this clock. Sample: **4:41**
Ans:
**1:30**
